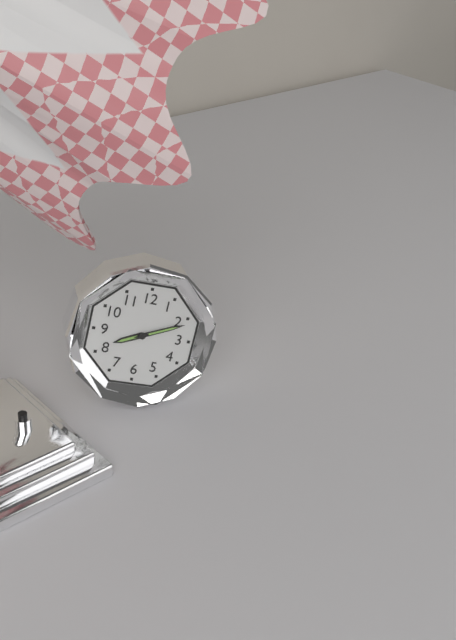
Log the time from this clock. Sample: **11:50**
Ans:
**8:11**
